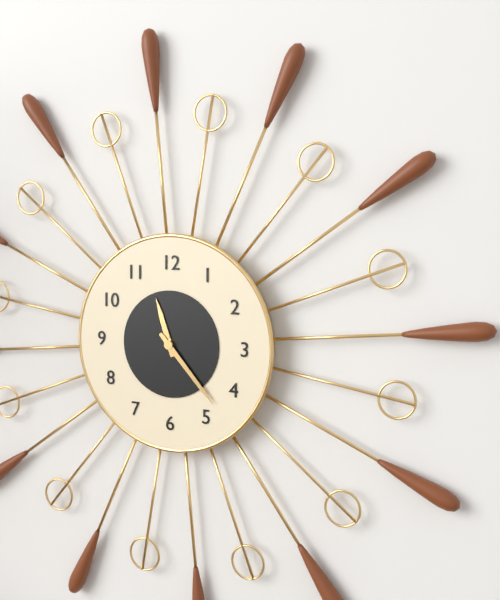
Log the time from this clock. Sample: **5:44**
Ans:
**11:23**
